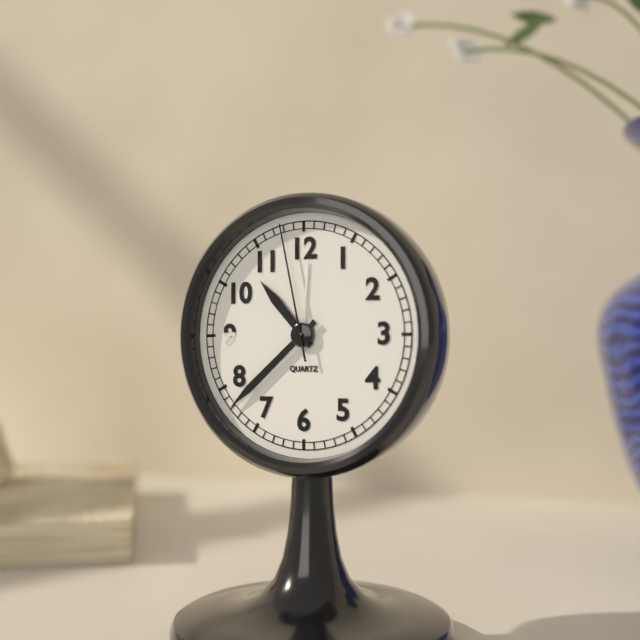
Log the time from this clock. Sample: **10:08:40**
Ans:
**10:38:58**
